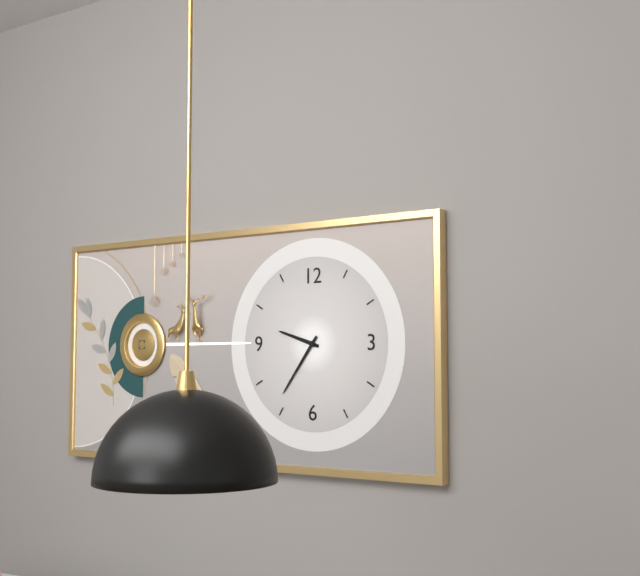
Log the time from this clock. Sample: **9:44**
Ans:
**9:36**
